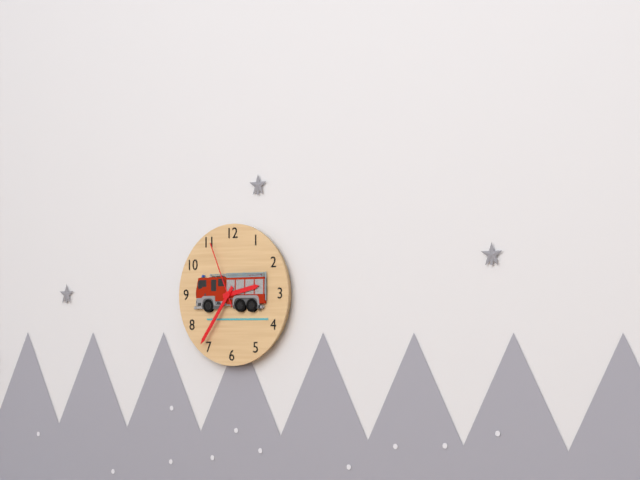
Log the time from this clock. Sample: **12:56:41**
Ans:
**2:36:56**
